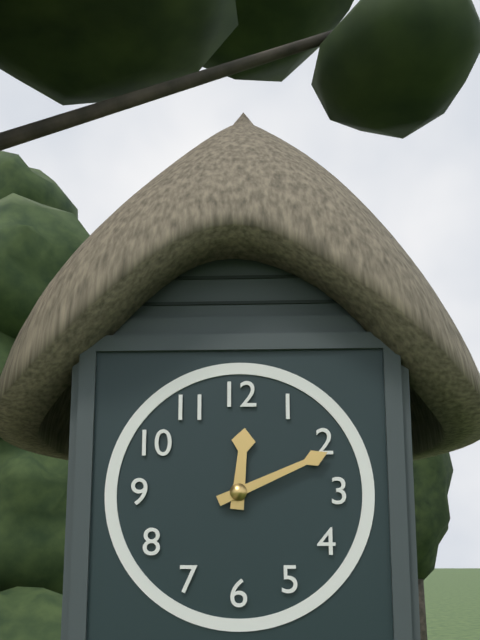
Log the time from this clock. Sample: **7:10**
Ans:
**12:11**
